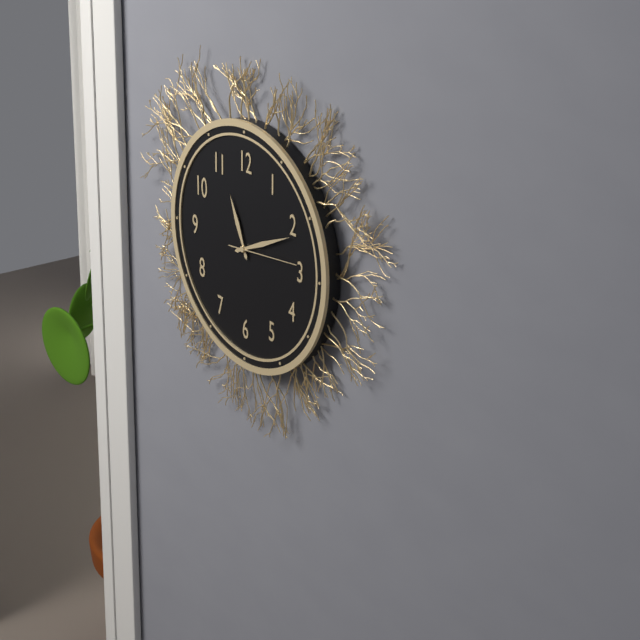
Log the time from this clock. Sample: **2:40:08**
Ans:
**11:11:14**
